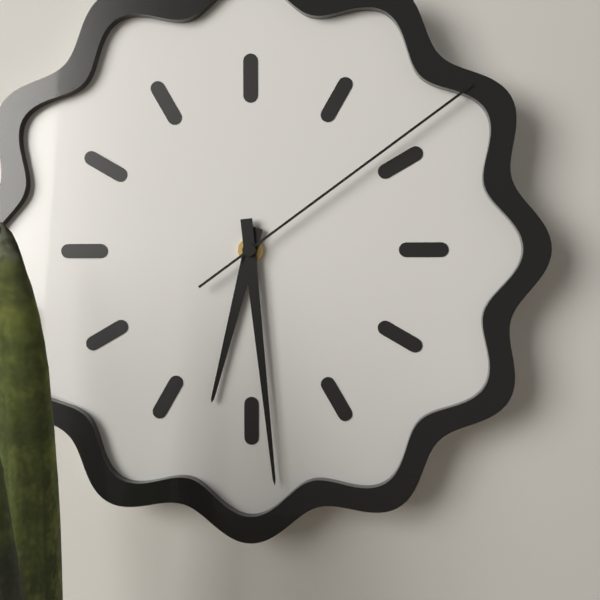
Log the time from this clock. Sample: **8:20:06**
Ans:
**6:29:09**
